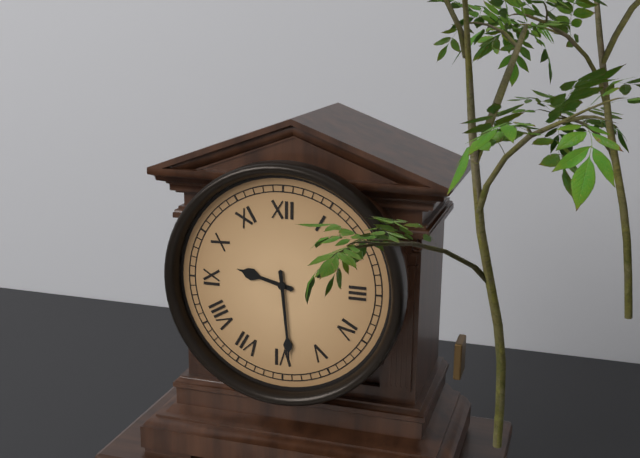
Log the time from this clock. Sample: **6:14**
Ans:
**9:29**
